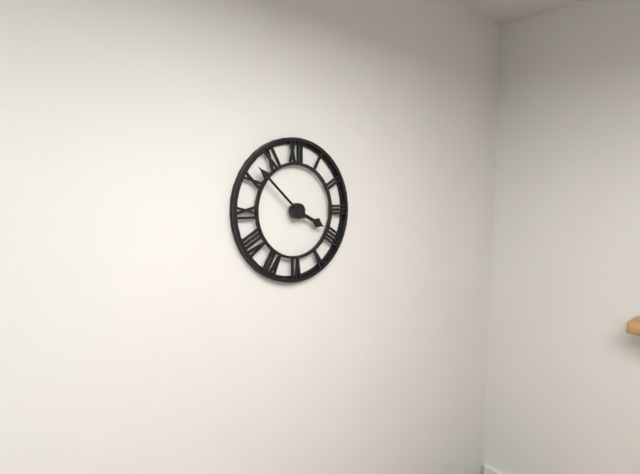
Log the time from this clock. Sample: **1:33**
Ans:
**3:52**
